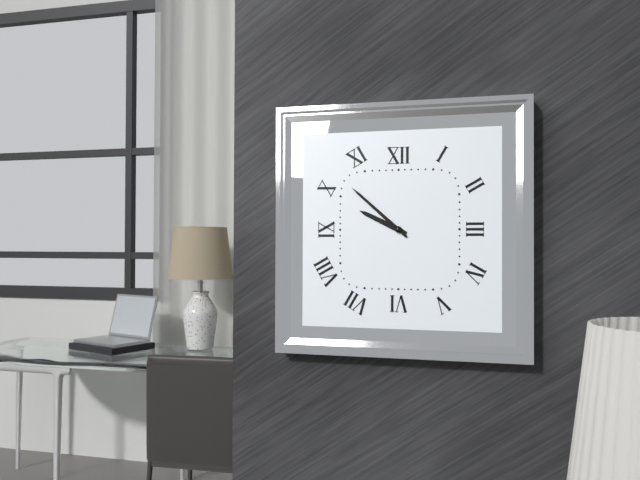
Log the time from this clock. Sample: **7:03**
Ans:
**9:52**
